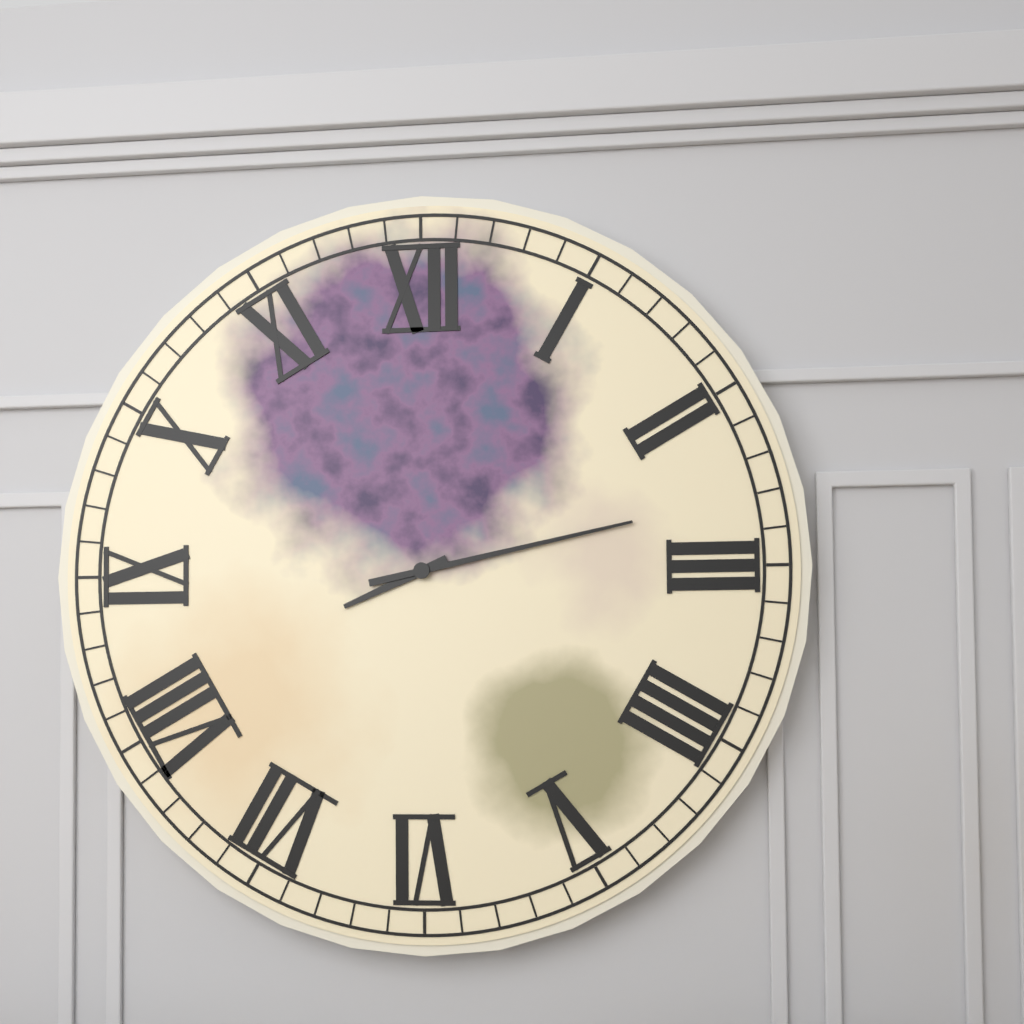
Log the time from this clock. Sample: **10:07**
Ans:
**8:13**
